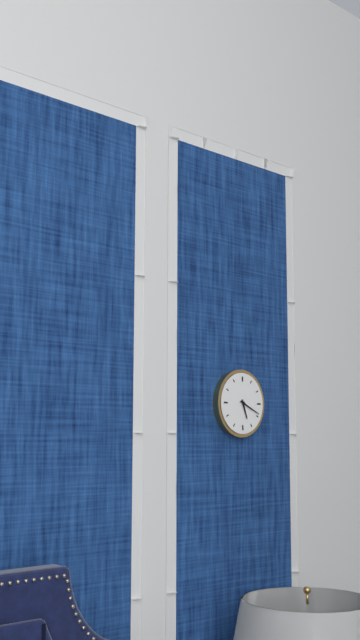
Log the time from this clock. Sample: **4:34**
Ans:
**5:19**
